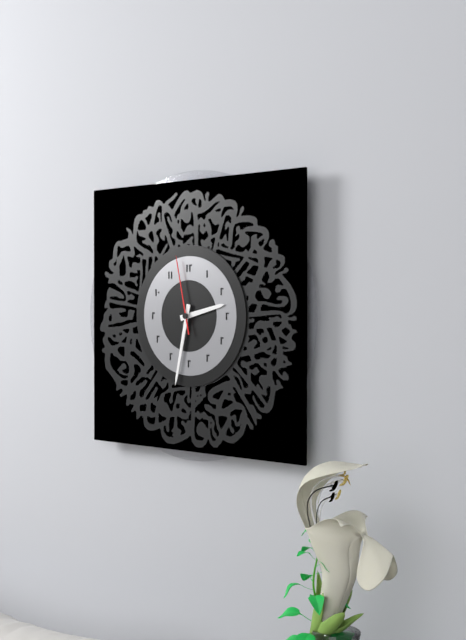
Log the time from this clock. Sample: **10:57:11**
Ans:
**2:32:58**
